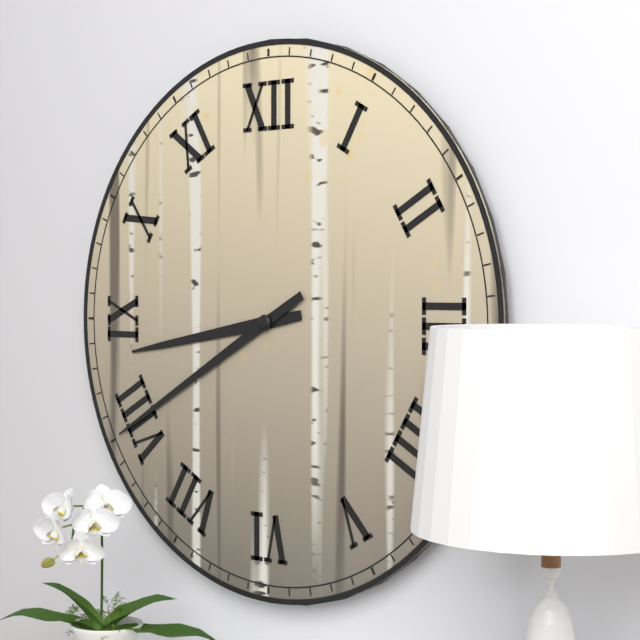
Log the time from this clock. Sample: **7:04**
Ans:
**8:40**
